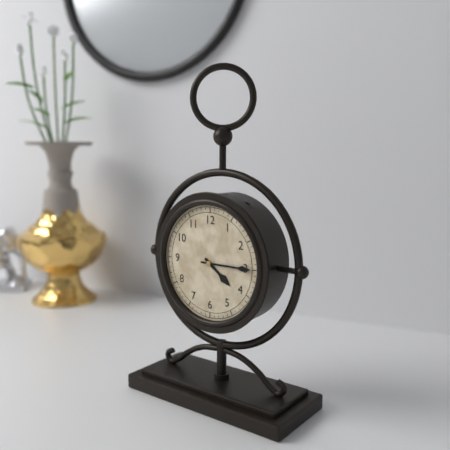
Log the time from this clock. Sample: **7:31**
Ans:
**4:15**
